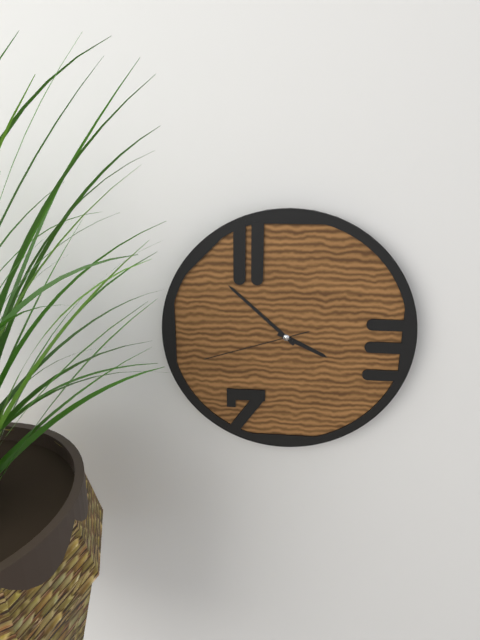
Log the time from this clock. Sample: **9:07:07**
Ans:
**3:52:42**
